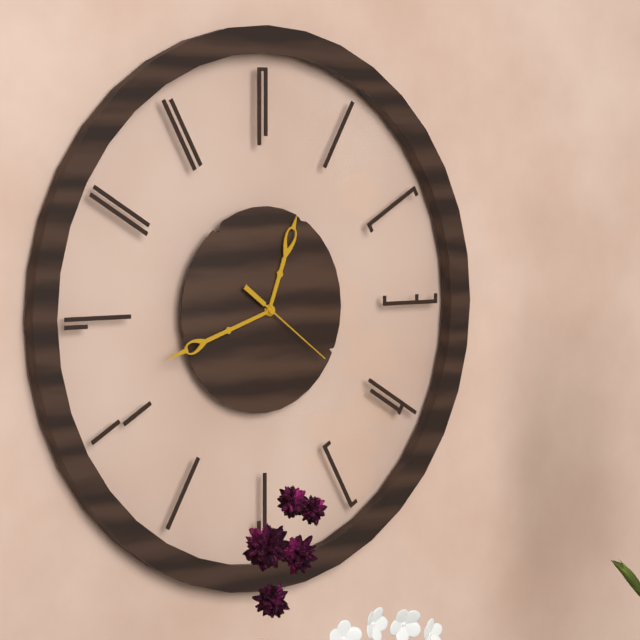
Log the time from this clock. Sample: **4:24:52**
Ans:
**12:42:21**
